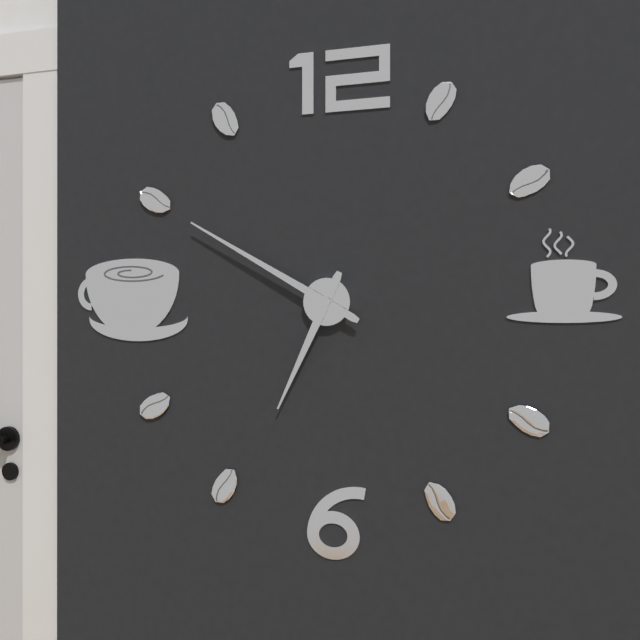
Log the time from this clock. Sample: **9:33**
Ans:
**6:50**
